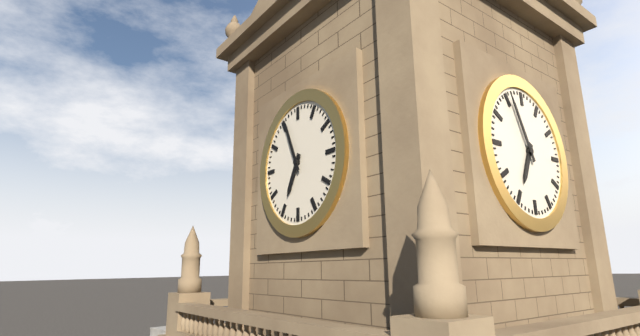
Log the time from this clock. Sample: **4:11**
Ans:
**6:56**
